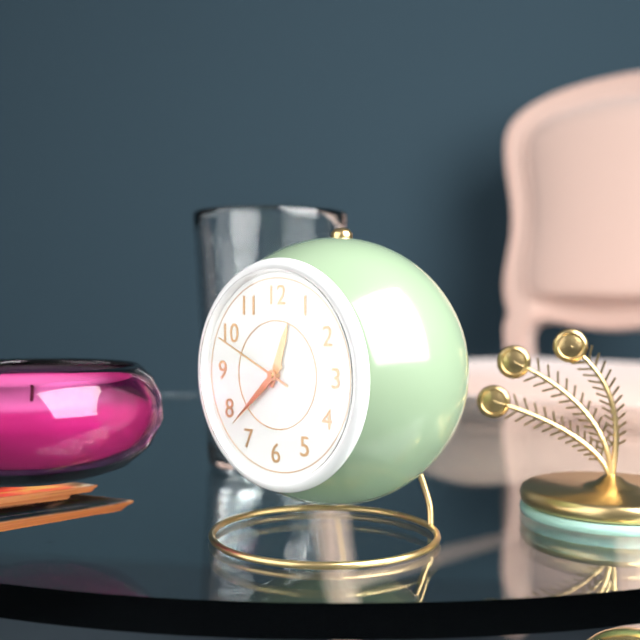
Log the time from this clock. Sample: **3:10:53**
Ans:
**12:38:49**
